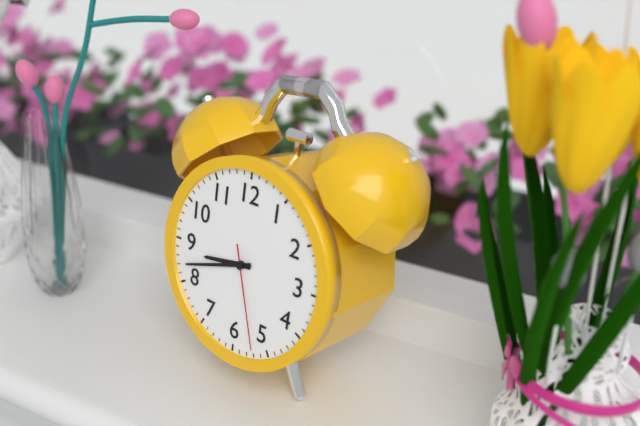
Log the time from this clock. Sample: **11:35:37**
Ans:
**8:42:27**
